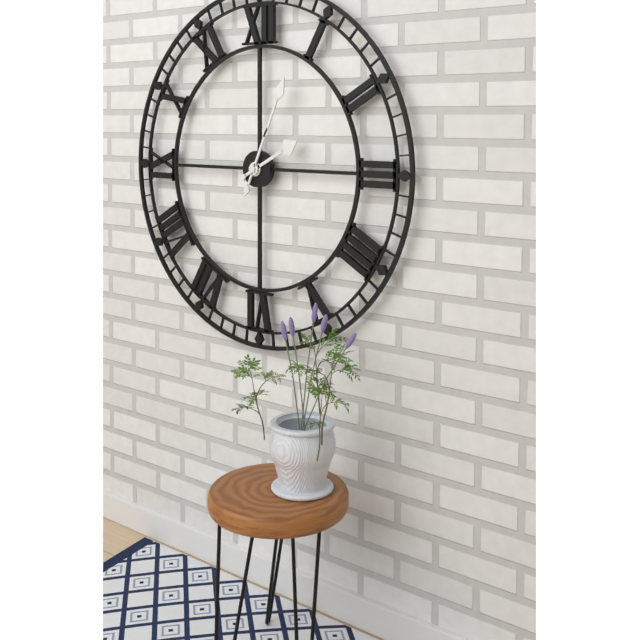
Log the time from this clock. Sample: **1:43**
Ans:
**2:04**
